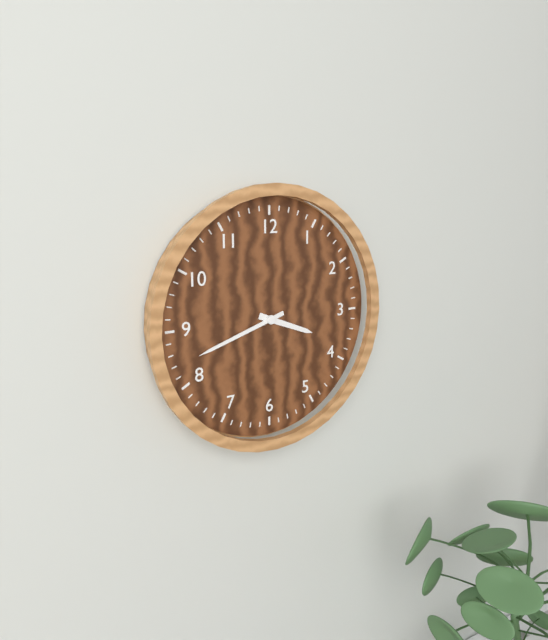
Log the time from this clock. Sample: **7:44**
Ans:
**3:42**
